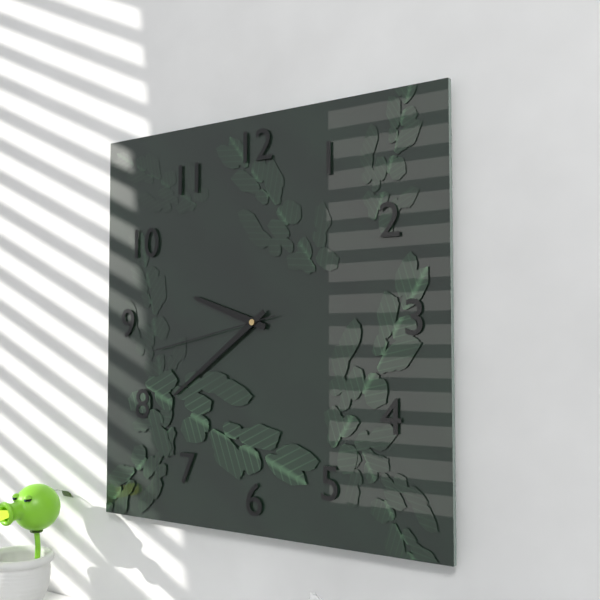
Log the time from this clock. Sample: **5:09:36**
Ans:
**9:39:43**
